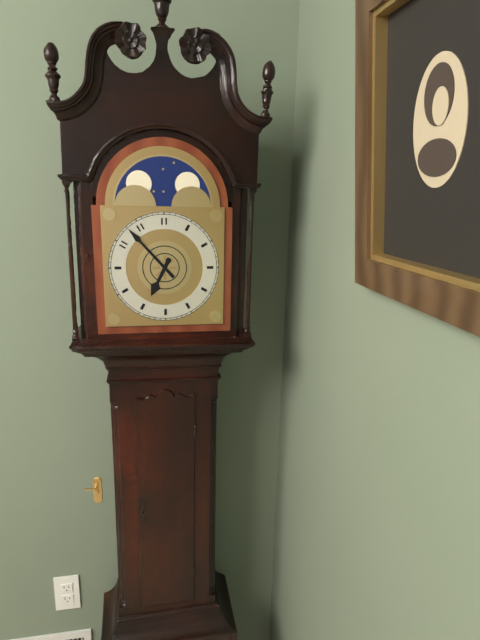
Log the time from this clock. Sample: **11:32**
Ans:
**6:53**
